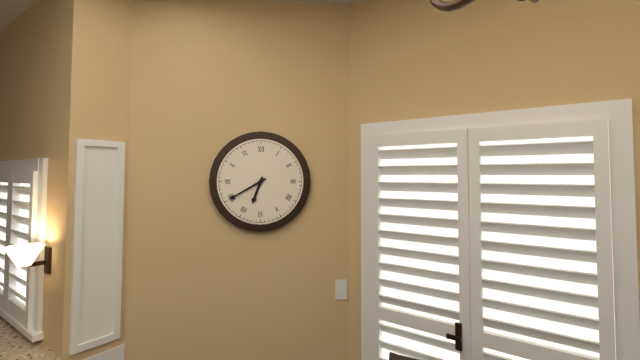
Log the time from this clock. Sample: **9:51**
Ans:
**6:40**
